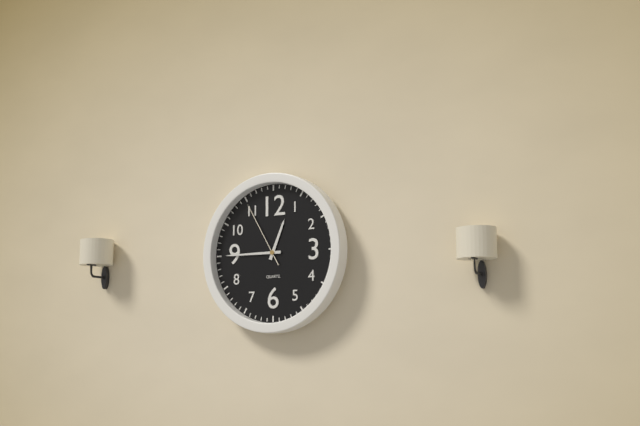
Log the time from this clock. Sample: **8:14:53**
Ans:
**12:45:55**
